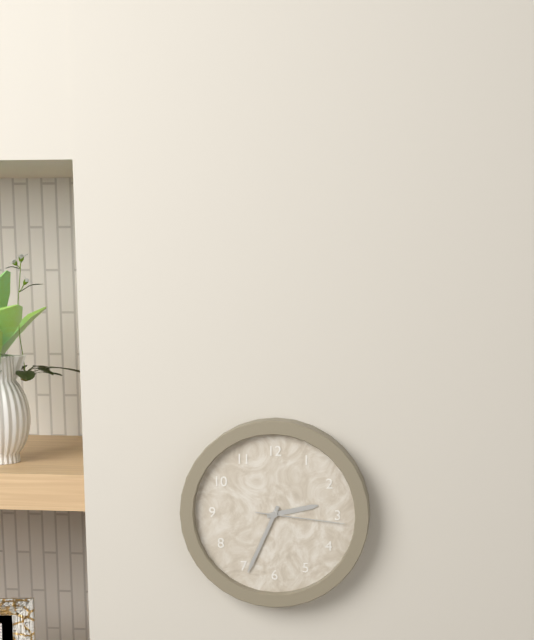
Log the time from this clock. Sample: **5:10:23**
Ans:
**2:34:16**
